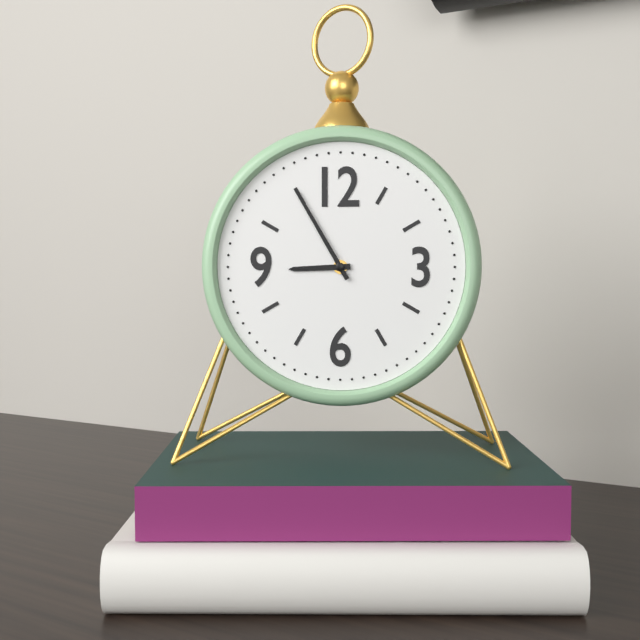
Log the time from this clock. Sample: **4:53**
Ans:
**8:55**
